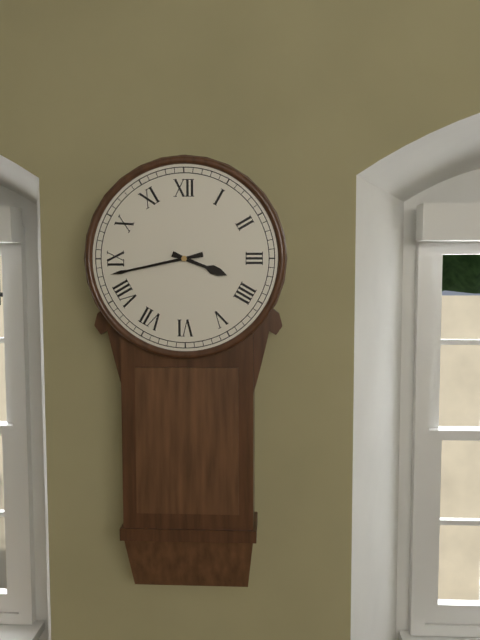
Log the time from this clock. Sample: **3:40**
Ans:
**3:43**
